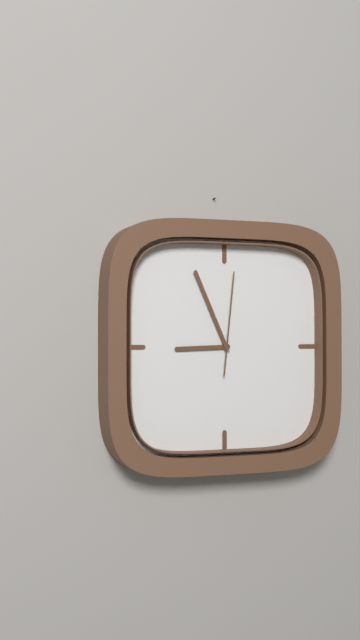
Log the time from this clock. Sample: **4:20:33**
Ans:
**8:56:01**
